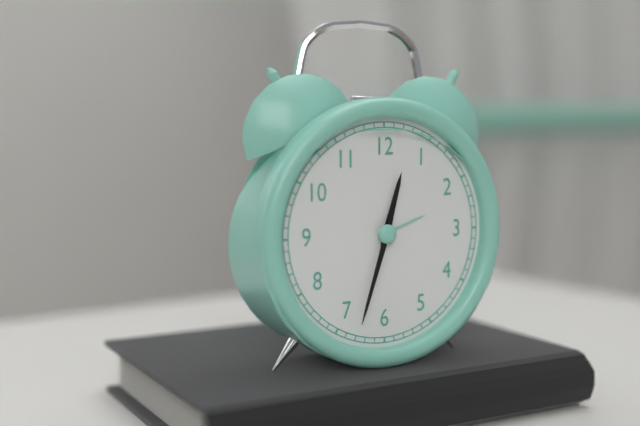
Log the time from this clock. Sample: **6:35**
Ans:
**12:33**
